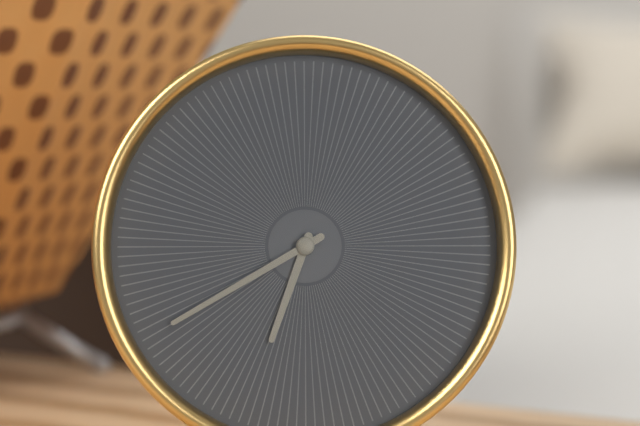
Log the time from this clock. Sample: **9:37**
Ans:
**6:40**
